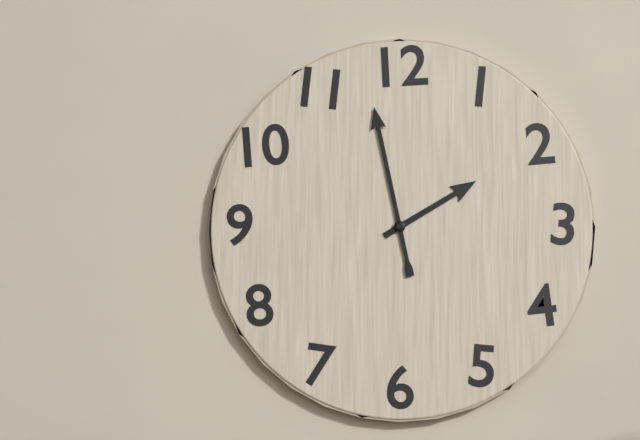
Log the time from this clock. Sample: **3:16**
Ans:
**1:58**
